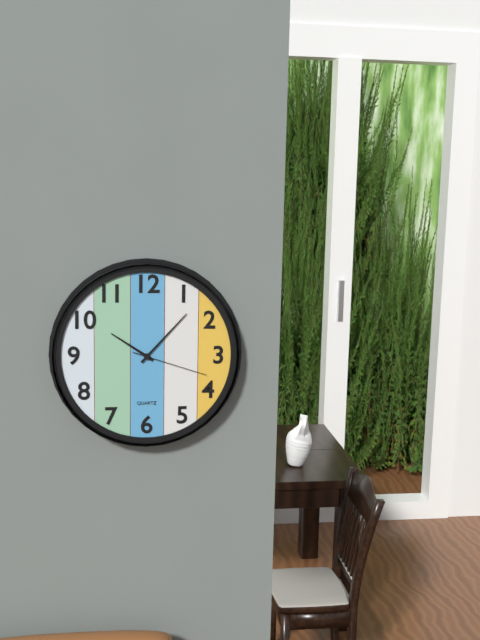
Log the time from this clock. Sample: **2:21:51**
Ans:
**10:07:18**
